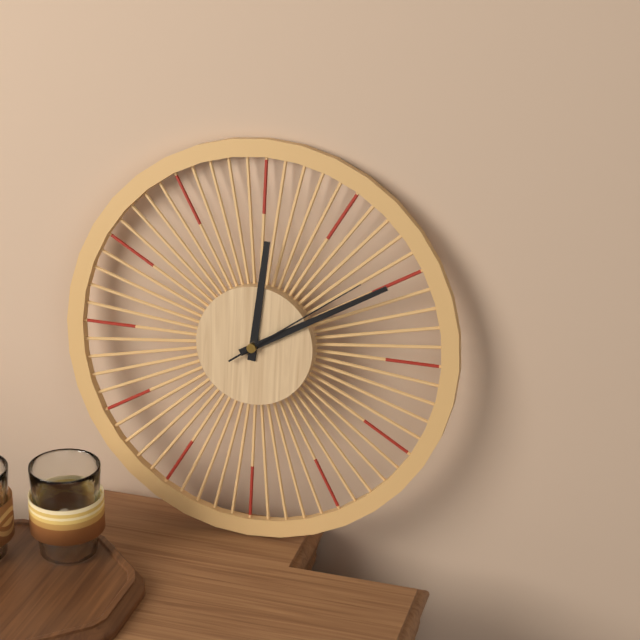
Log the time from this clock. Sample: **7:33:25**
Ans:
**12:10:09**
